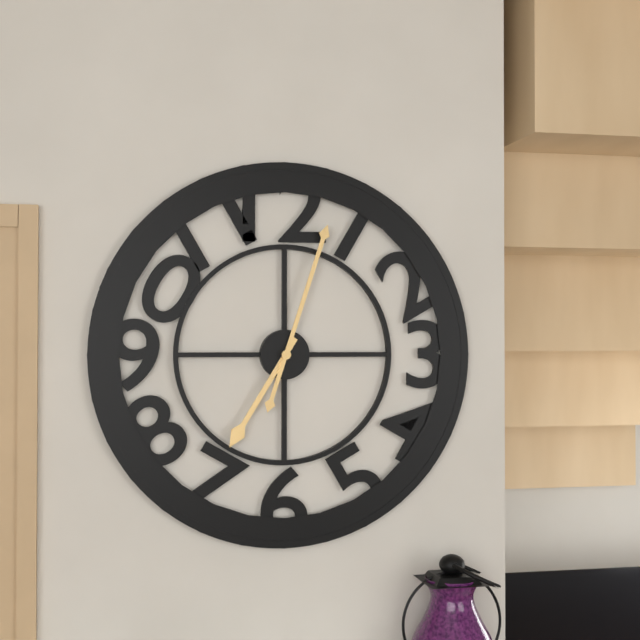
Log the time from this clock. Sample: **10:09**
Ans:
**7:03**
